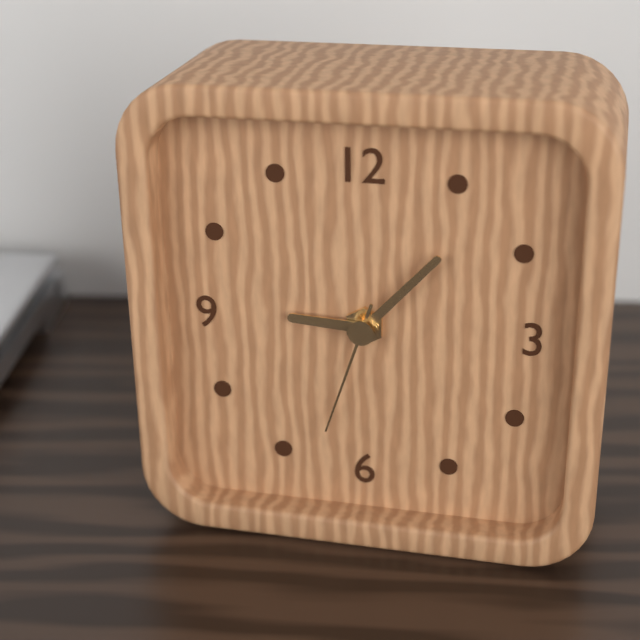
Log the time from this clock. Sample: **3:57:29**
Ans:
**9:07:33**
